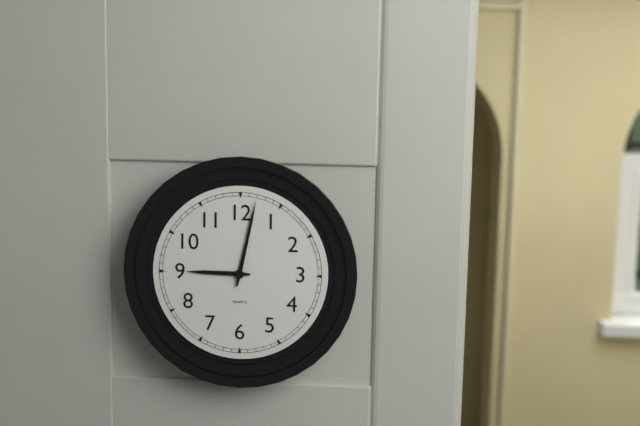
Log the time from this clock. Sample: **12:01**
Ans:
**9:02**
